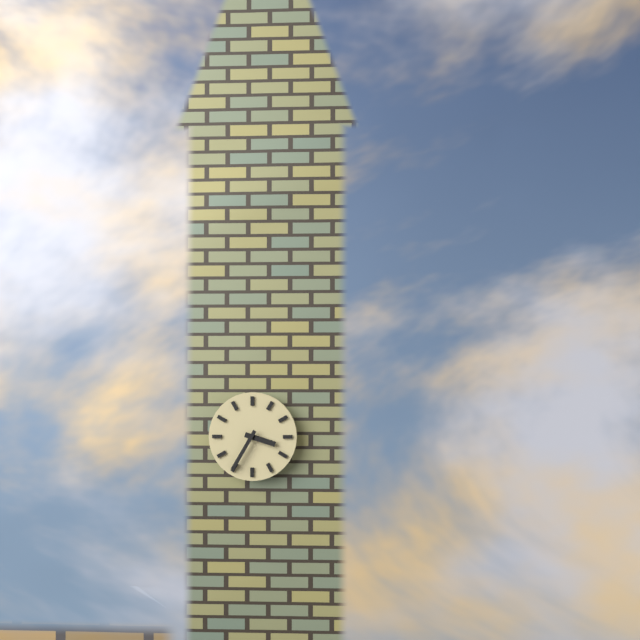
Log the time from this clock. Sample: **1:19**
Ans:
**3:35**
